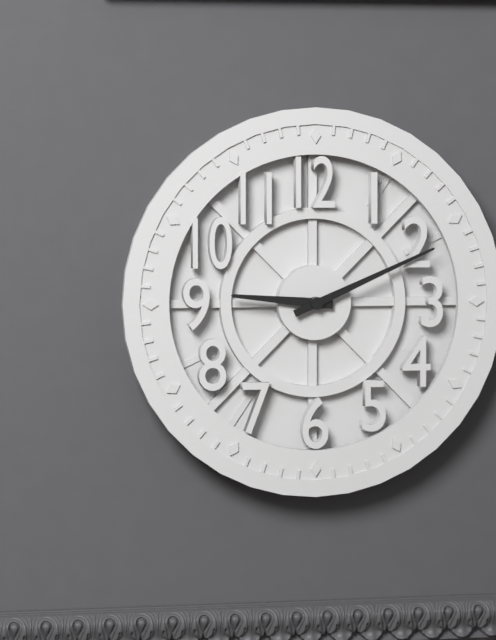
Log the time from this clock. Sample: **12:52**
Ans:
**9:11**
